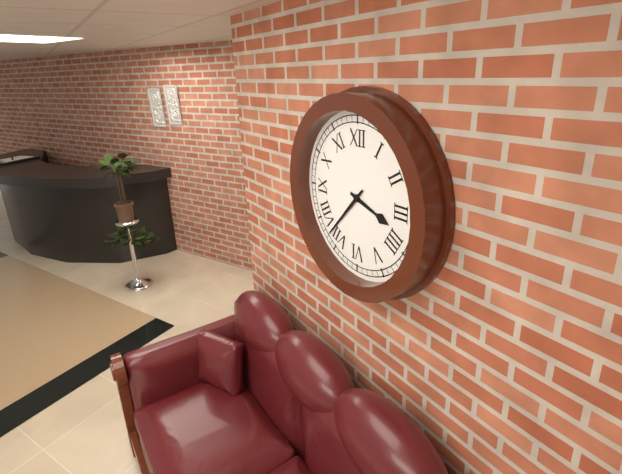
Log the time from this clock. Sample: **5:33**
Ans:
**3:37**
